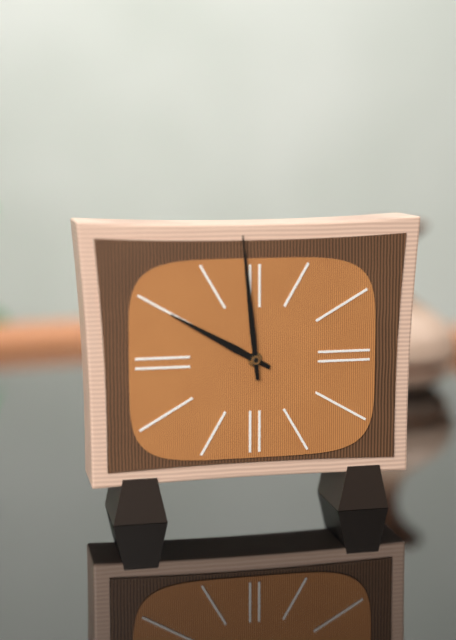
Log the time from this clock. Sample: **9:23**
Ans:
**9:59**
